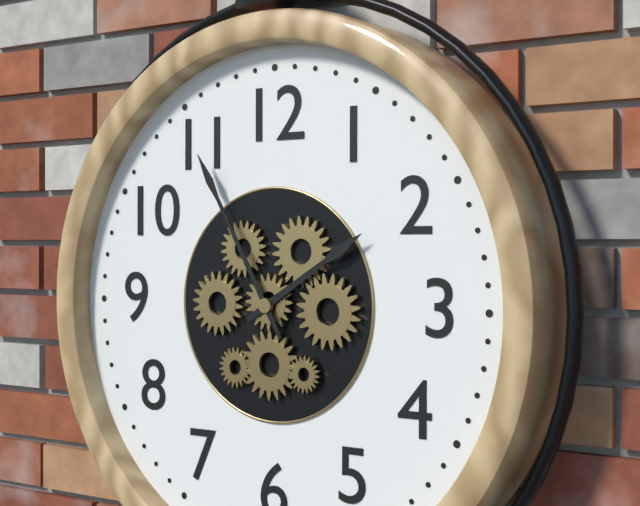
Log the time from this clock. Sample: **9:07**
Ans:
**1:55**
